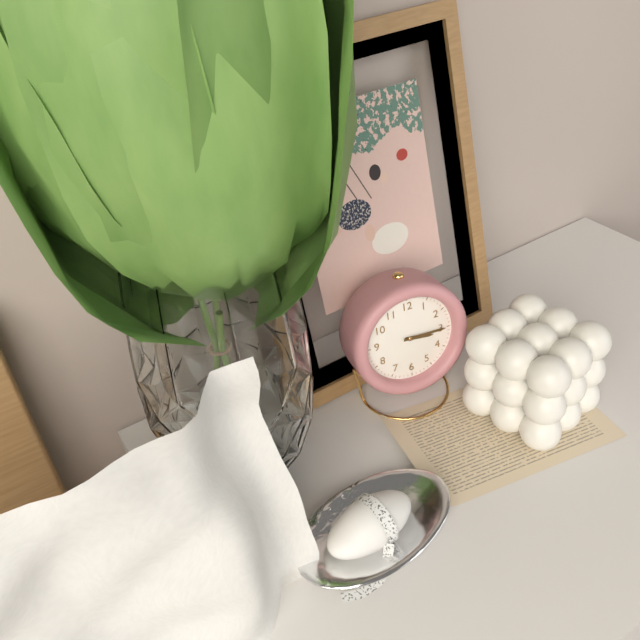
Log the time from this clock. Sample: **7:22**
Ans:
**3:15**
